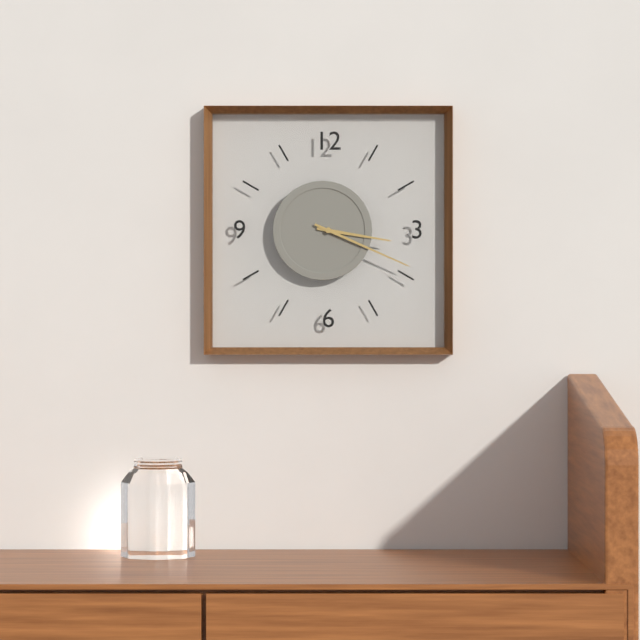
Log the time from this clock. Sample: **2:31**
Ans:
**3:19**
